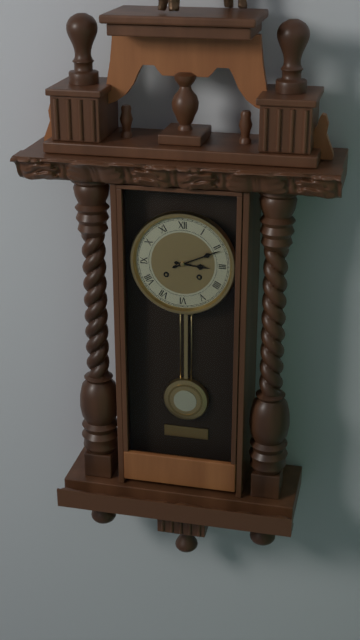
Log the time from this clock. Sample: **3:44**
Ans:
**3:11**
